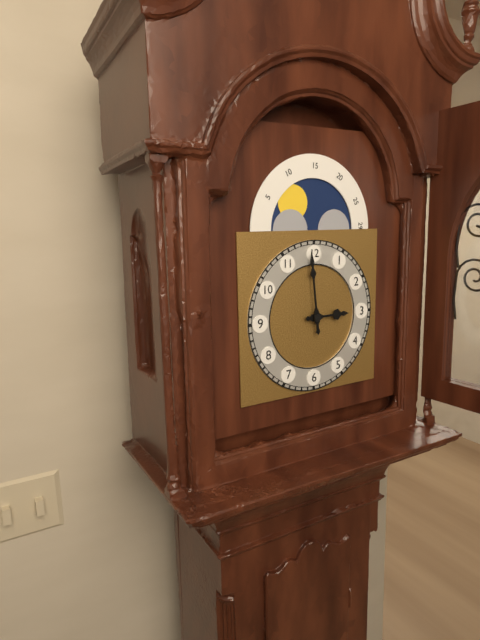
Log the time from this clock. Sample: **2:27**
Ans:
**2:59**
